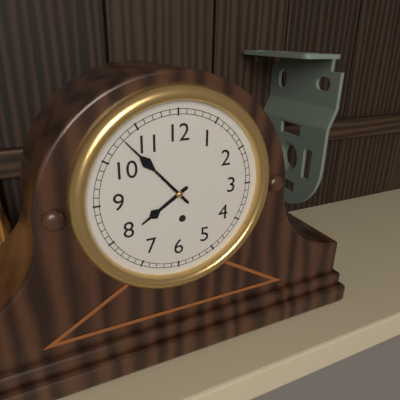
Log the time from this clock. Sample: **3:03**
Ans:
**7:53**
